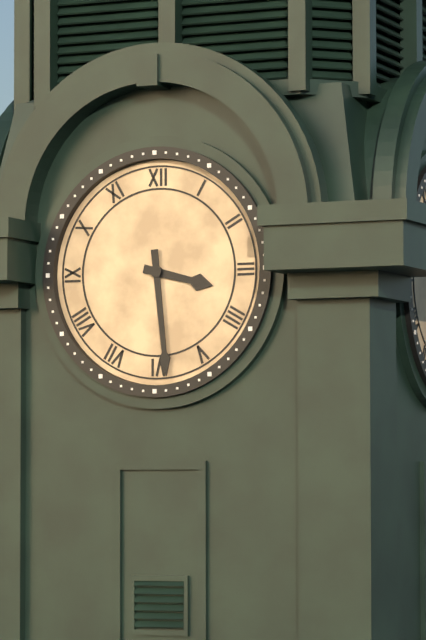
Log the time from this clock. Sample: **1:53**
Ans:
**3:29**
